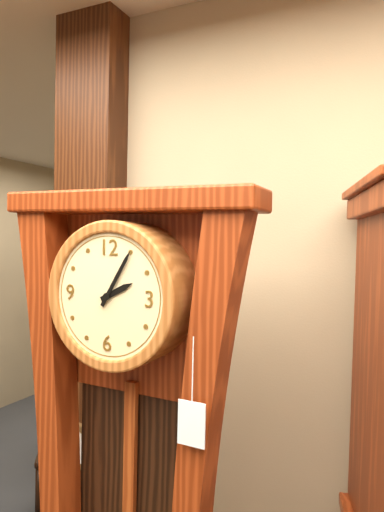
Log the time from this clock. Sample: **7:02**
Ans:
**2:05**
